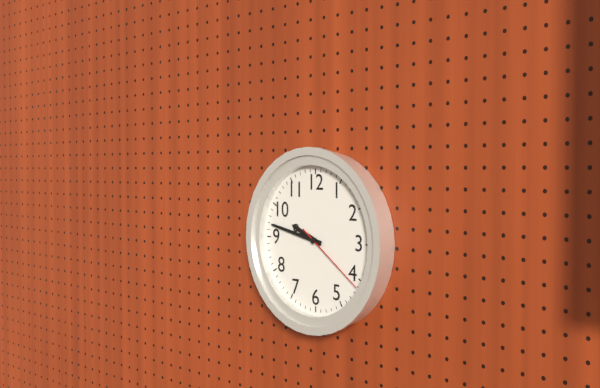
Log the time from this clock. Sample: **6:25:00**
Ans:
**9:47:21**
